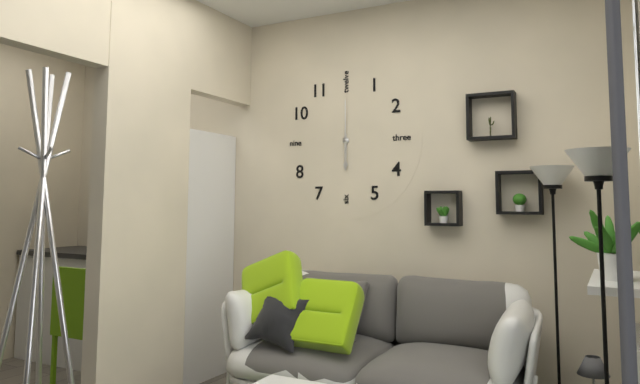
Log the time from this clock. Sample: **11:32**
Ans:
**6:00**
